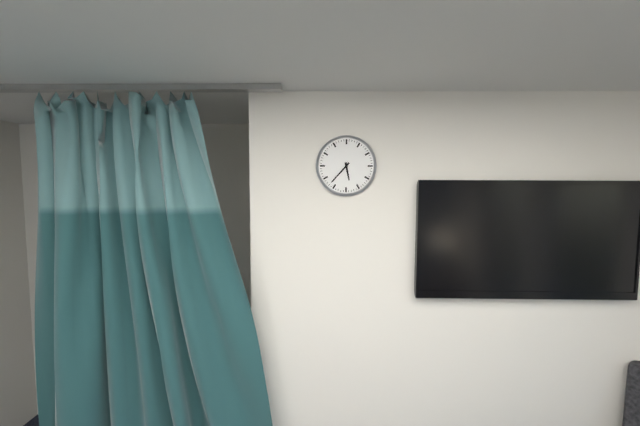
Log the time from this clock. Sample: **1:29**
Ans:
**5:37**
